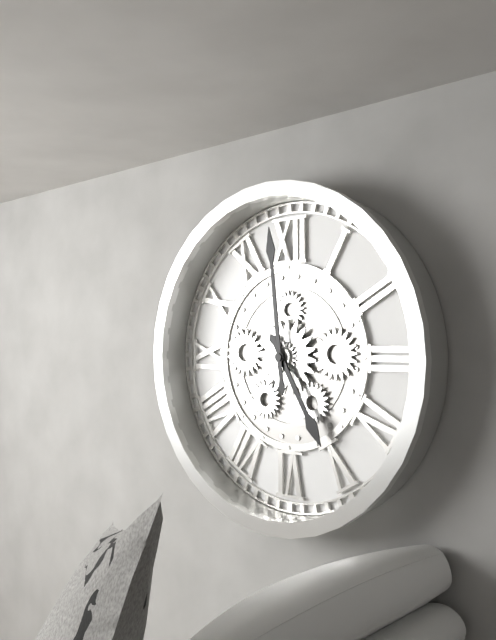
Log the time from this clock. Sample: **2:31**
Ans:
**4:59**
